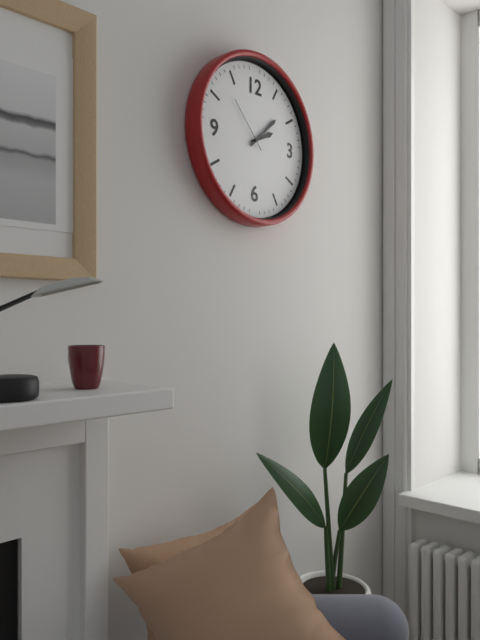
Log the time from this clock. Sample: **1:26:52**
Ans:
**2:08:53**
